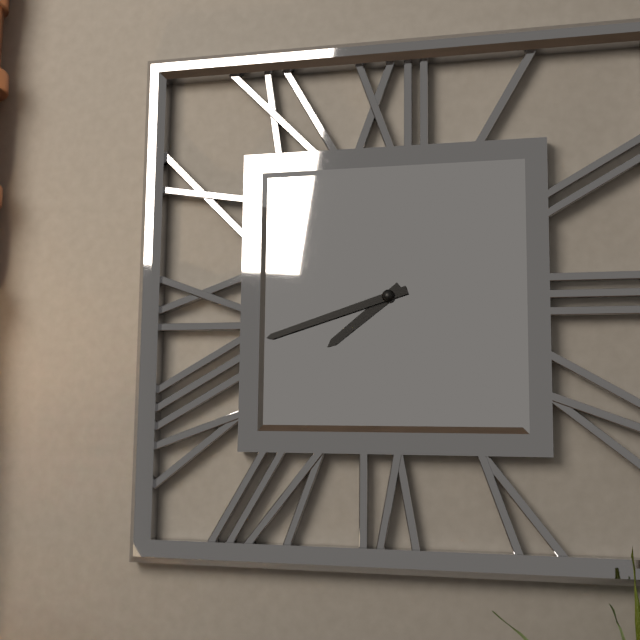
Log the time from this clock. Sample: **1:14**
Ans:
**7:42**
